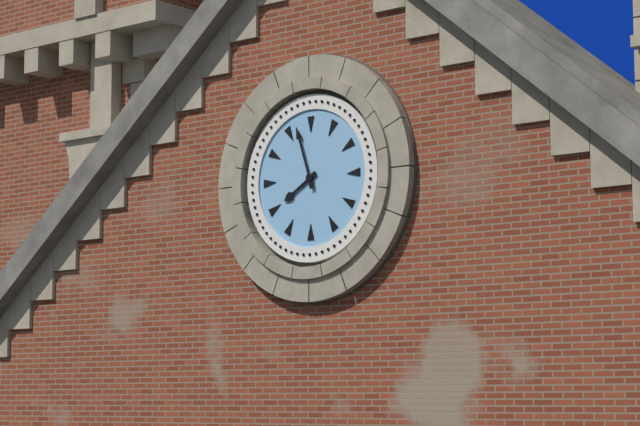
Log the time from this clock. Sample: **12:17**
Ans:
**7:57**
